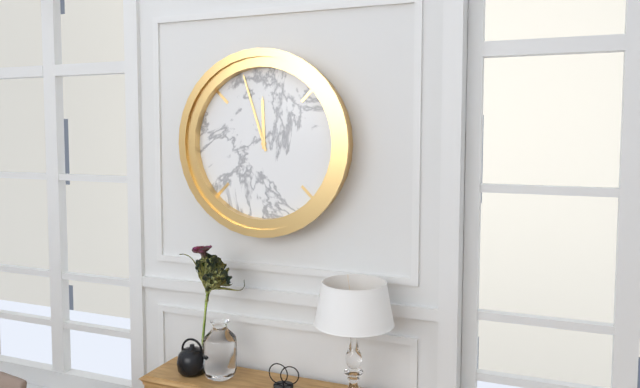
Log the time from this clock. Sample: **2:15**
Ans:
**11:57**
